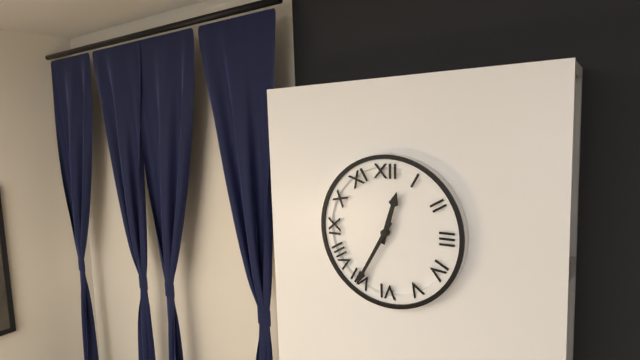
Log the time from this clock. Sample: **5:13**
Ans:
**12:35**
